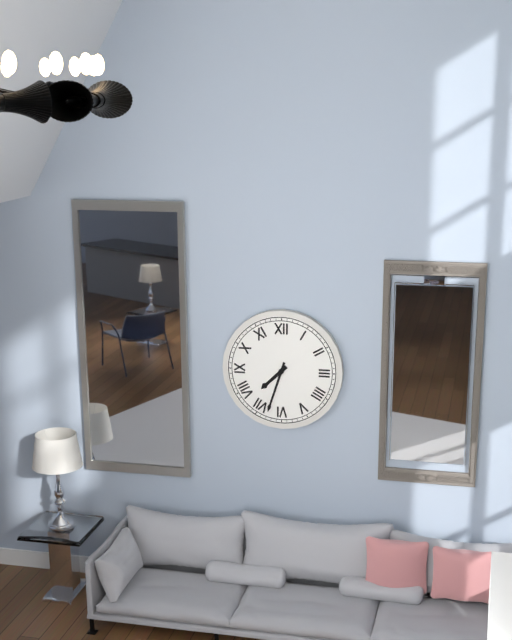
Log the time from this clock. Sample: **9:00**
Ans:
**7:33**
